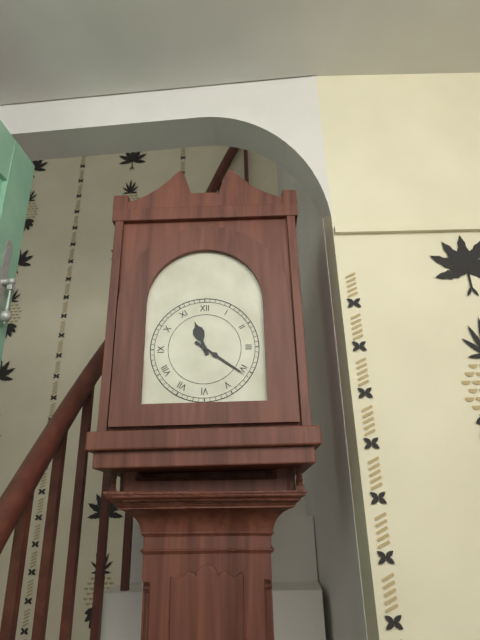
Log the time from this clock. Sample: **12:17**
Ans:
**11:21**
